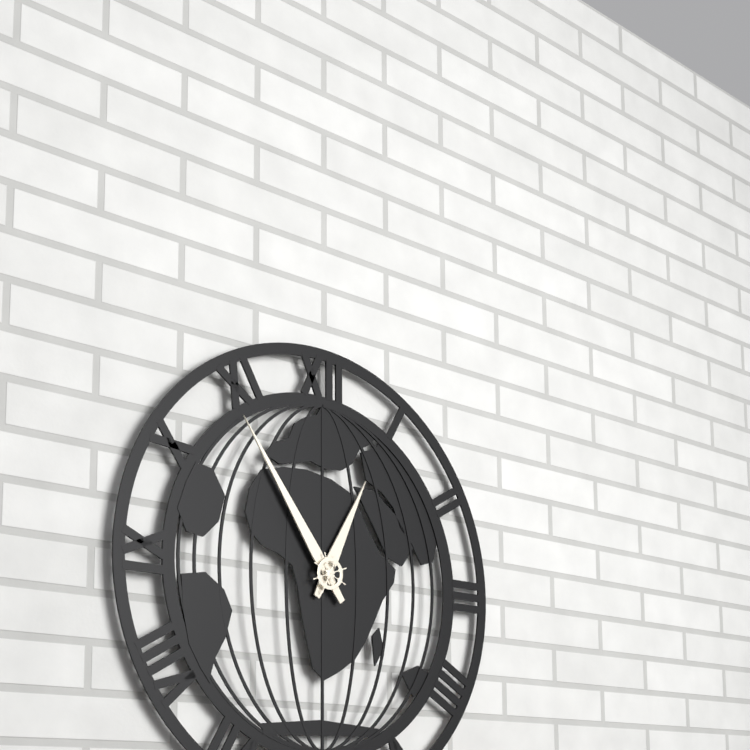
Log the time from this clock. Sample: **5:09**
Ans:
**12:54**
